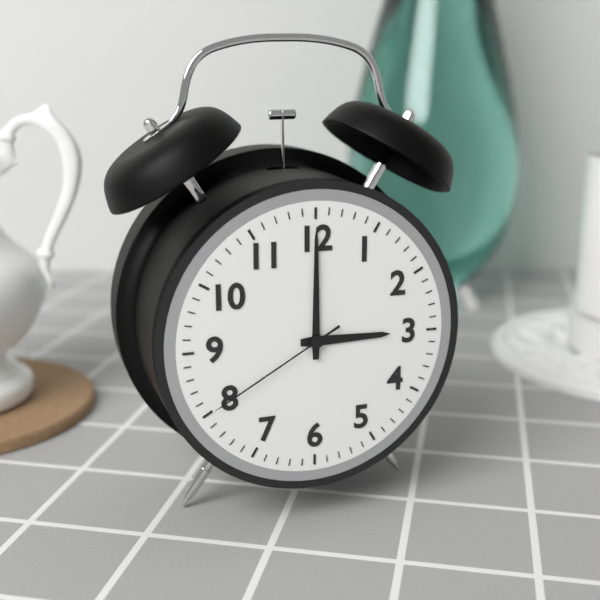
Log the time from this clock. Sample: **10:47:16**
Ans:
**3:00:40**
